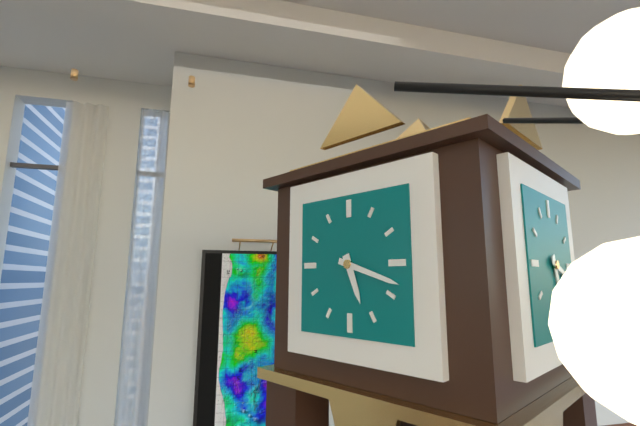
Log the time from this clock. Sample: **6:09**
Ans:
**5:18**
